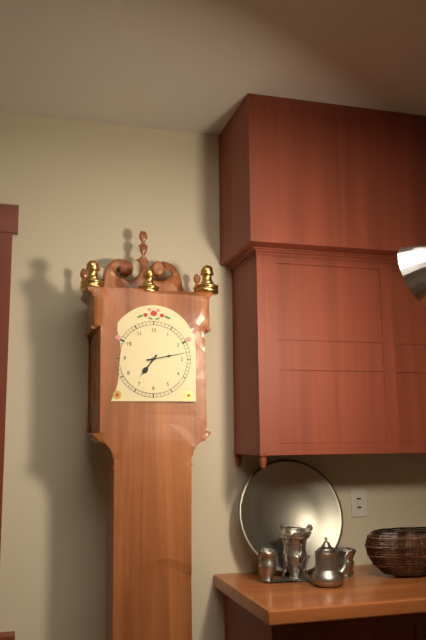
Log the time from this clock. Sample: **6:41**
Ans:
**7:13**
